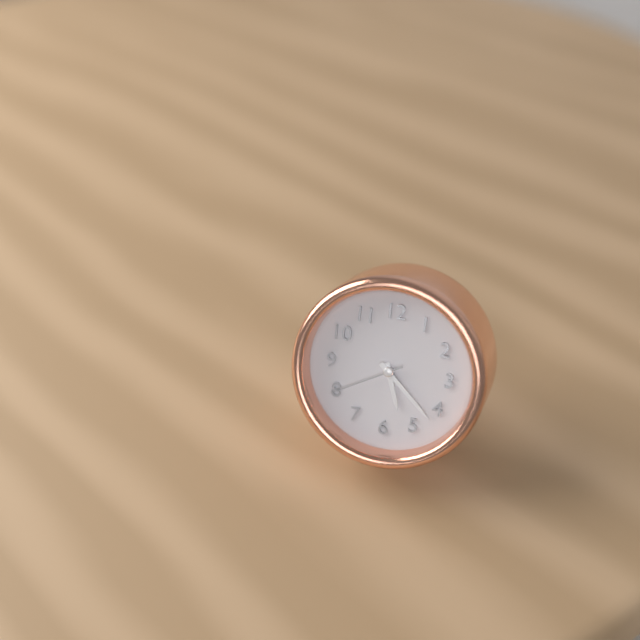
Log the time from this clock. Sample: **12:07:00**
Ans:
**5:22:40**
